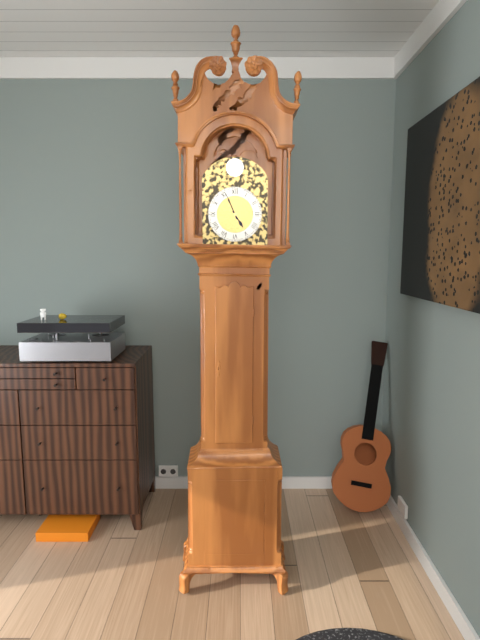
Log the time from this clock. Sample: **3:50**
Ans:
**4:56**
